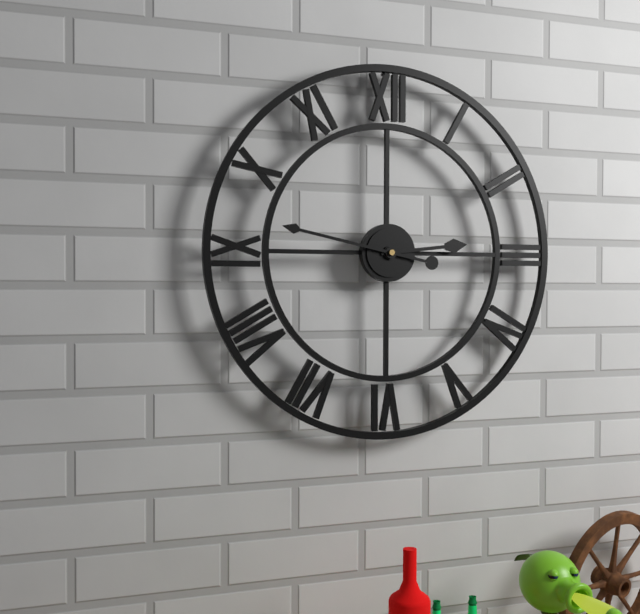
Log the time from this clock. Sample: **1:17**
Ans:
**2:47**
